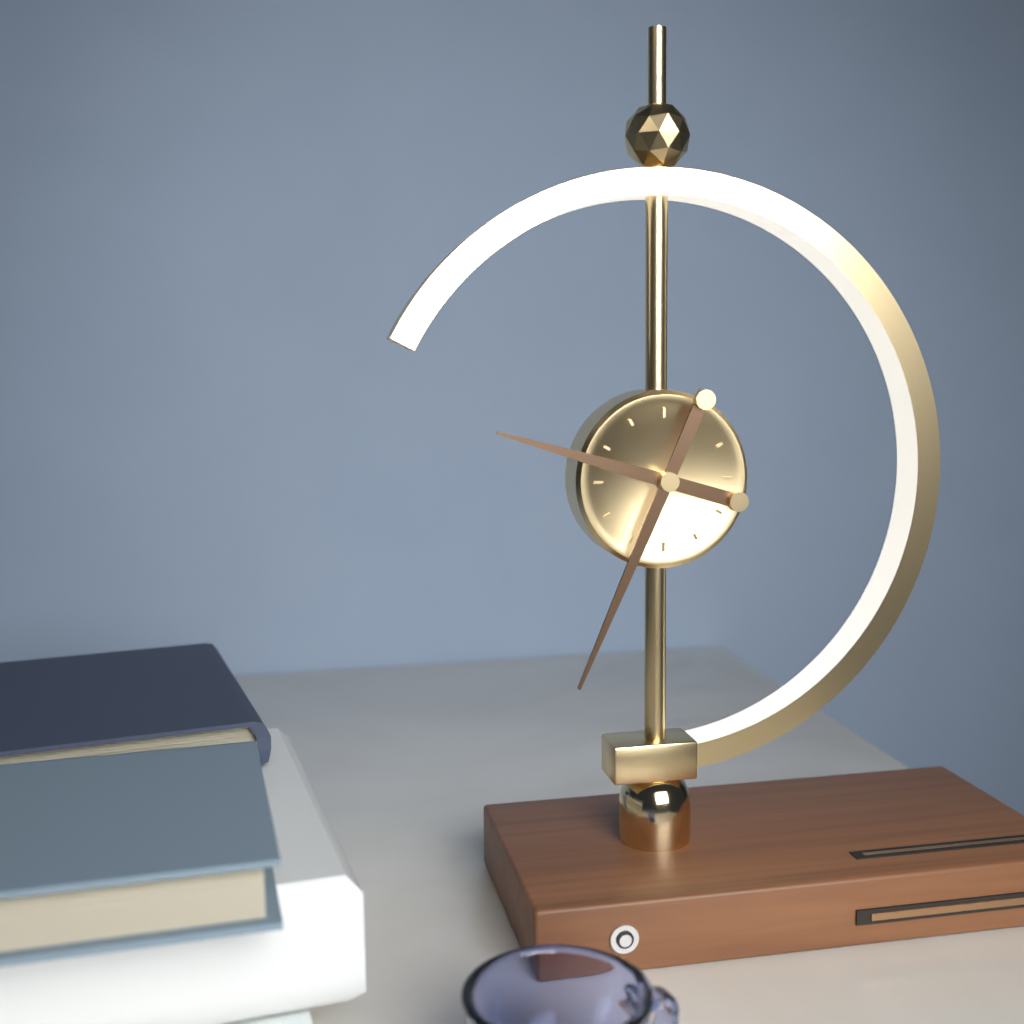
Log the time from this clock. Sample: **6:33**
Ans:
**9:34**
